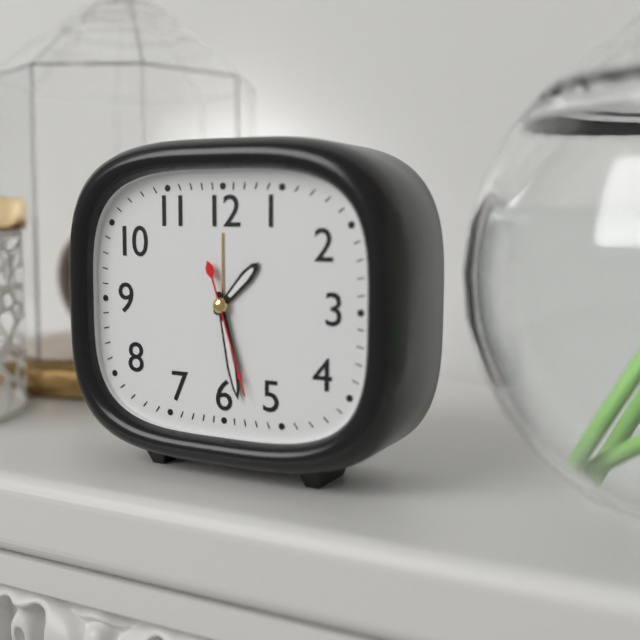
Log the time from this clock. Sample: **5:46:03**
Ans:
**1:28:27**
